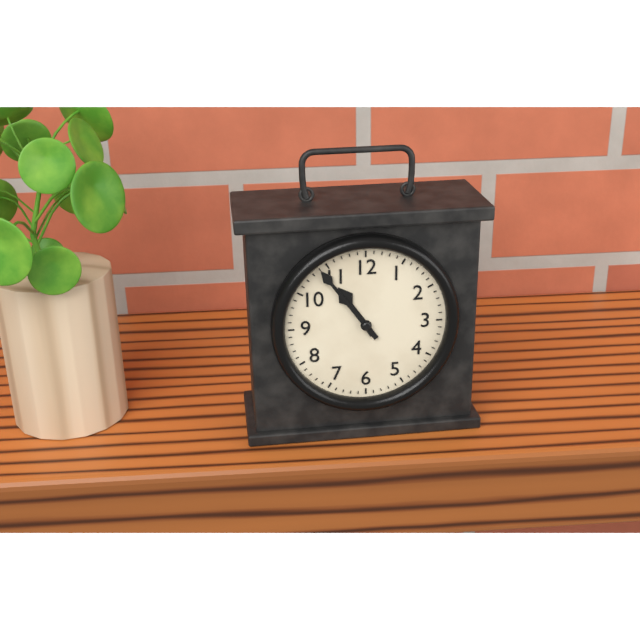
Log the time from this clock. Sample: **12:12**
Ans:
**10:54**
